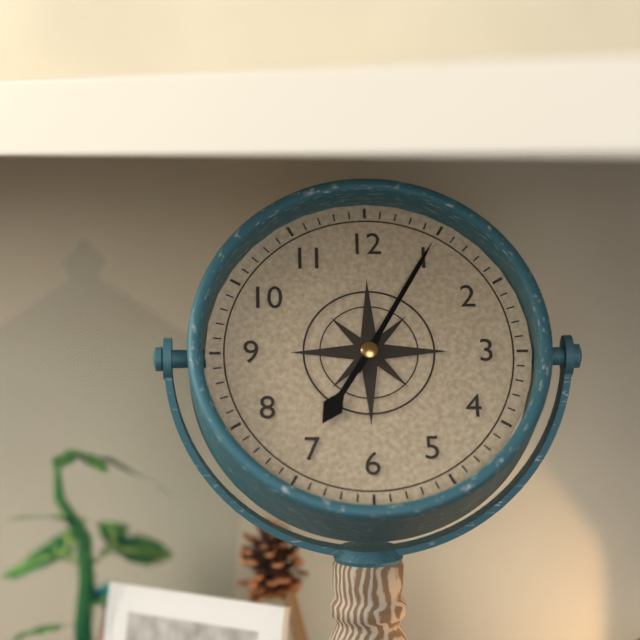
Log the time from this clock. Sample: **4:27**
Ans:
**7:05**
